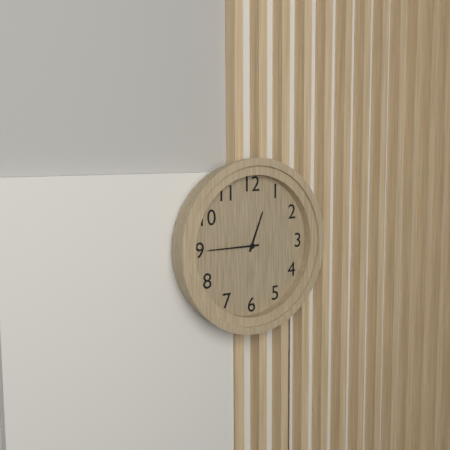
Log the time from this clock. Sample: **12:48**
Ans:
**12:45**
